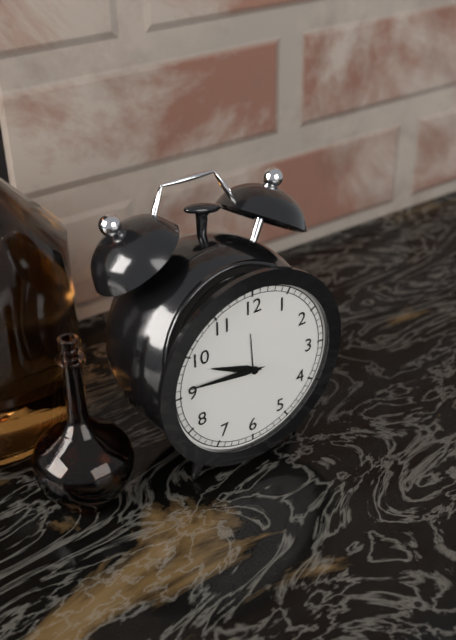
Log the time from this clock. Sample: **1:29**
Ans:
**9:46**
